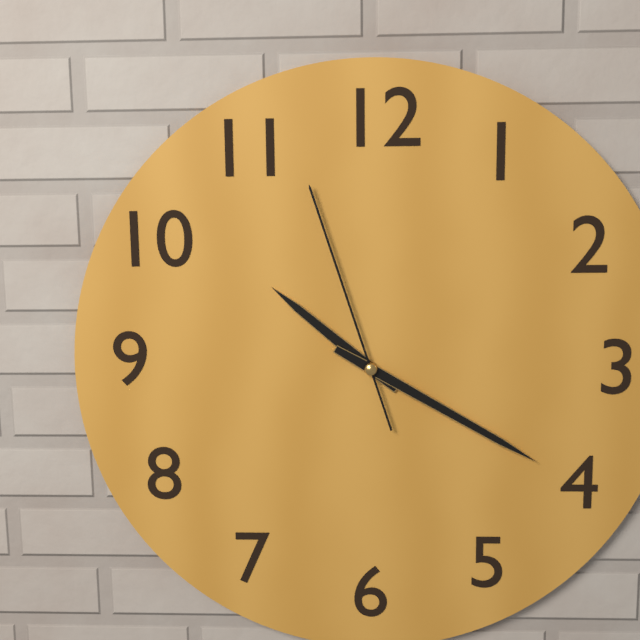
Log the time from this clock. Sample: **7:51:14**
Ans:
**10:20:57**
